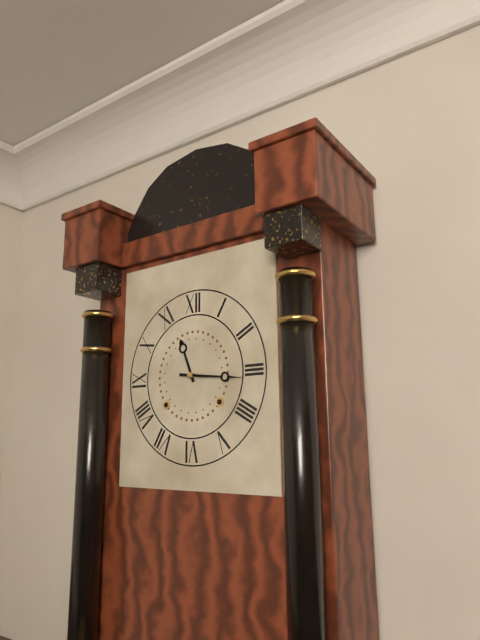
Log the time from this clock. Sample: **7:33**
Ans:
**11:16**
